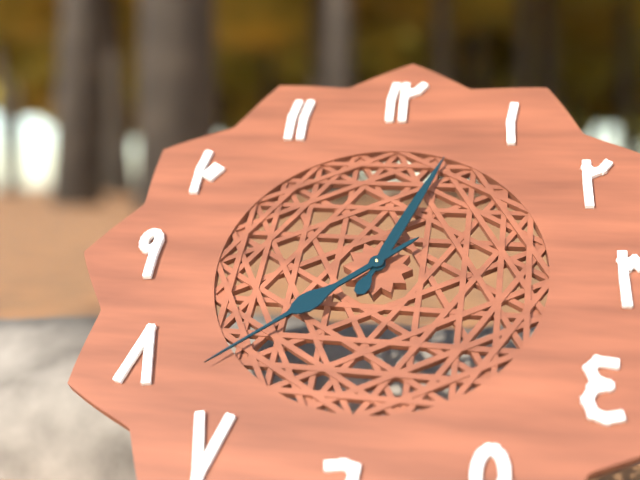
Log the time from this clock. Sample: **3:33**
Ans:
**12:38**
